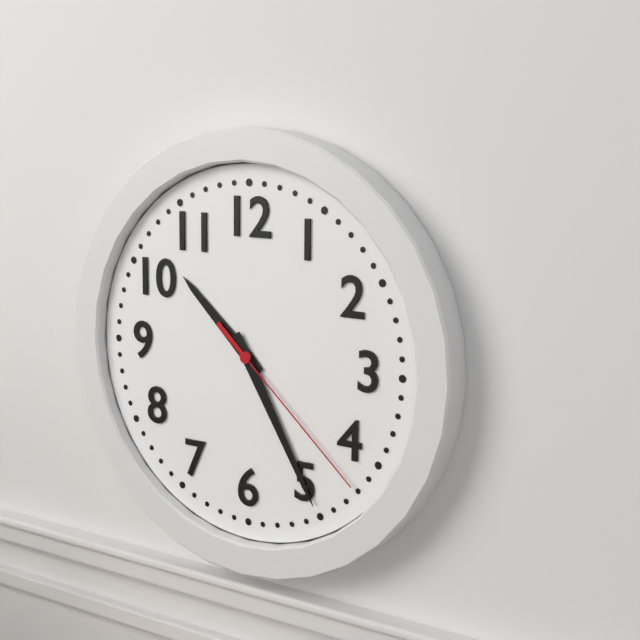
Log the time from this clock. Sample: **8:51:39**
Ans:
**10:25:22**
